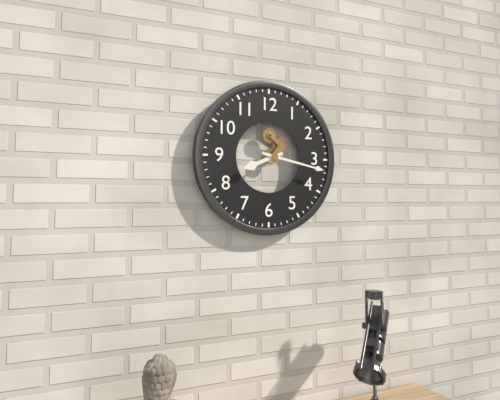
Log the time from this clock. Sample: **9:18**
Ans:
**8:17**
